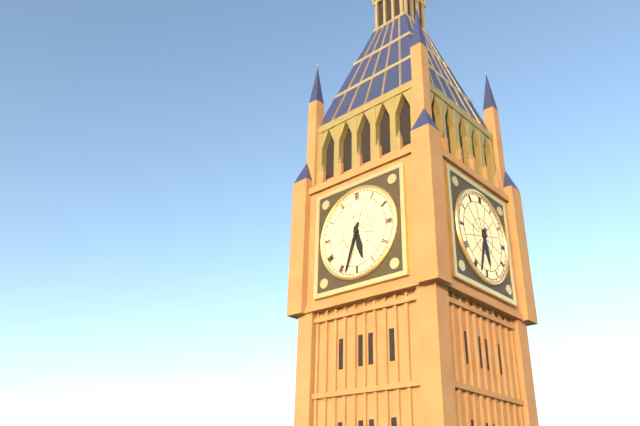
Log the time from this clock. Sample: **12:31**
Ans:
**5:33**
